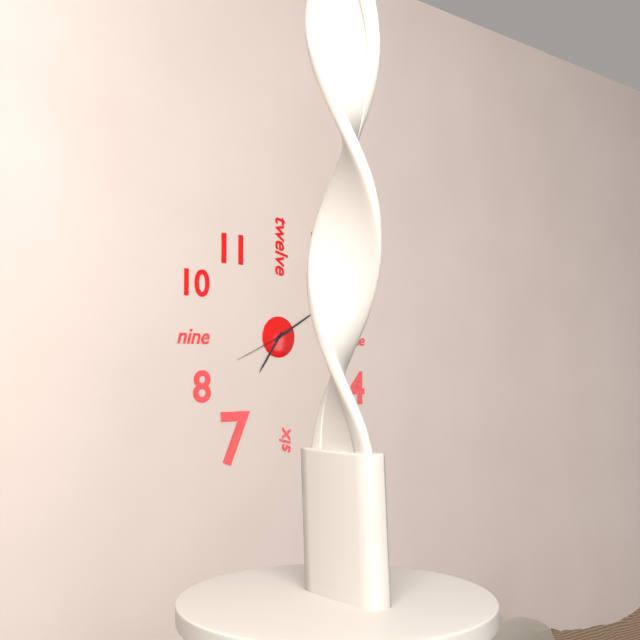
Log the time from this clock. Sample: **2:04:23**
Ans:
**7:10:41**
